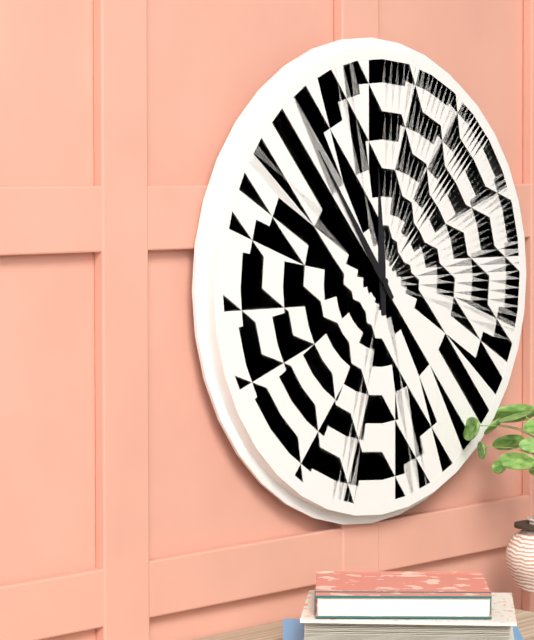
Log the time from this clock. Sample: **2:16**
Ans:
**11:54**
